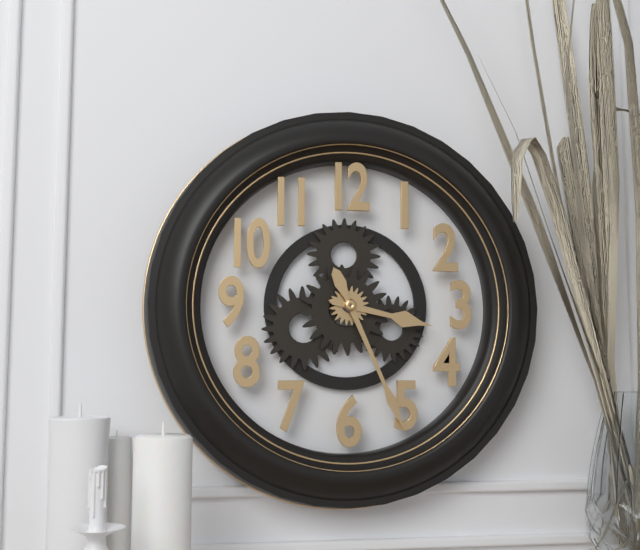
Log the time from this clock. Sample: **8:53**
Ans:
**3:26**
